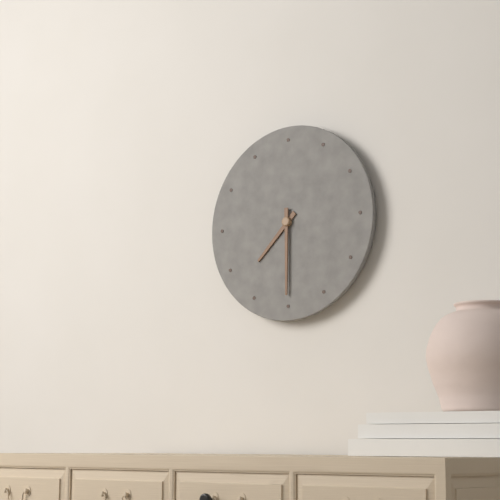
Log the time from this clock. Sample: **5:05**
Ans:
**7:30**
